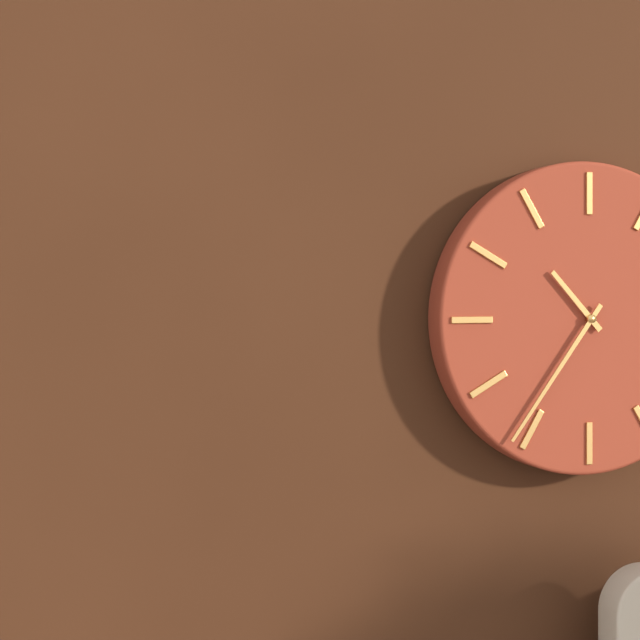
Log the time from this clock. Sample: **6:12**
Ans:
**10:36**
